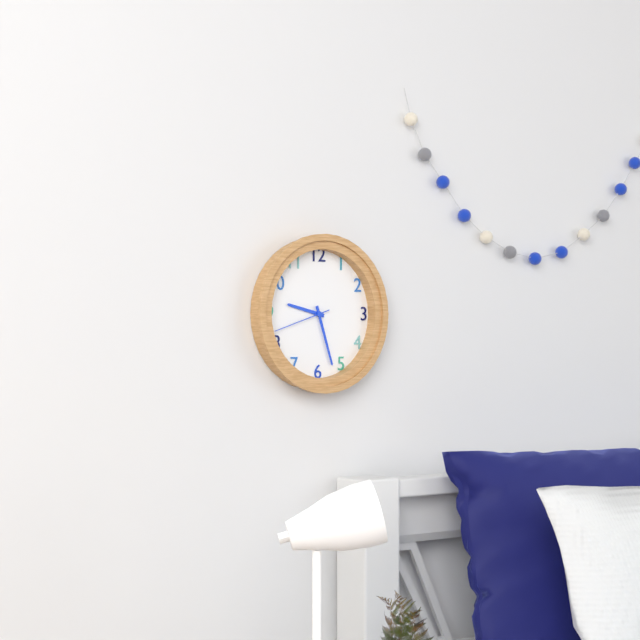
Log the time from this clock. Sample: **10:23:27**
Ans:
**9:27:42**
